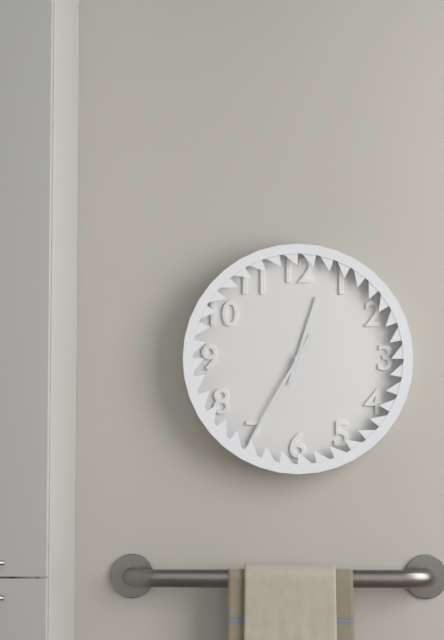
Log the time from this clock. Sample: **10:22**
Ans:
**12:35**
